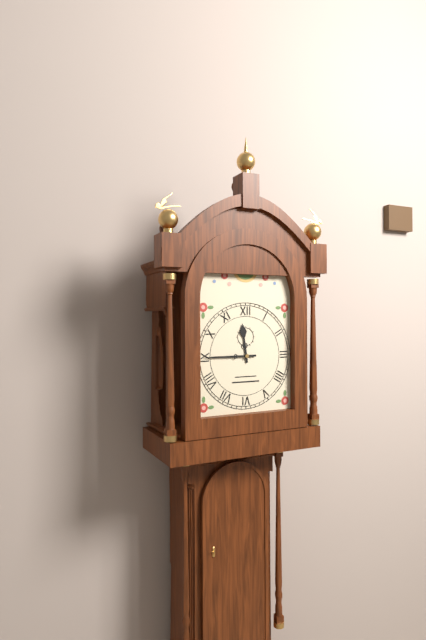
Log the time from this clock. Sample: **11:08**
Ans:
**11:45**
